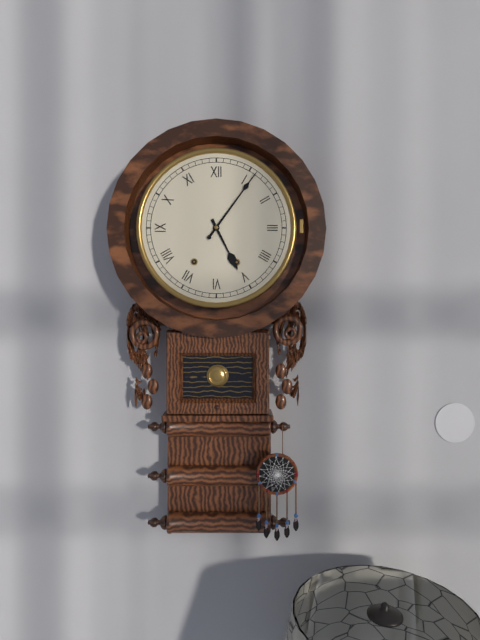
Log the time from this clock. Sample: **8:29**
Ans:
**5:06**
